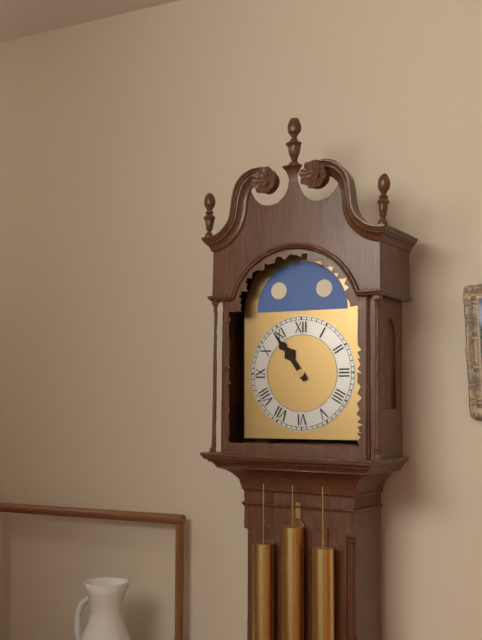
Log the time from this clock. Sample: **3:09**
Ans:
**10:54**
